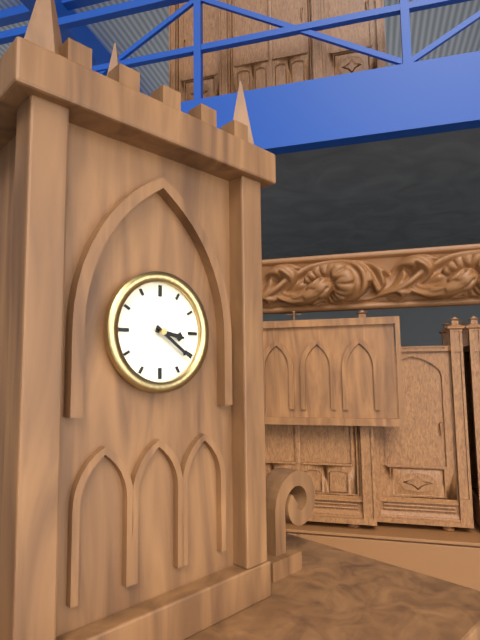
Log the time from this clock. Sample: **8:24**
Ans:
**3:21**
